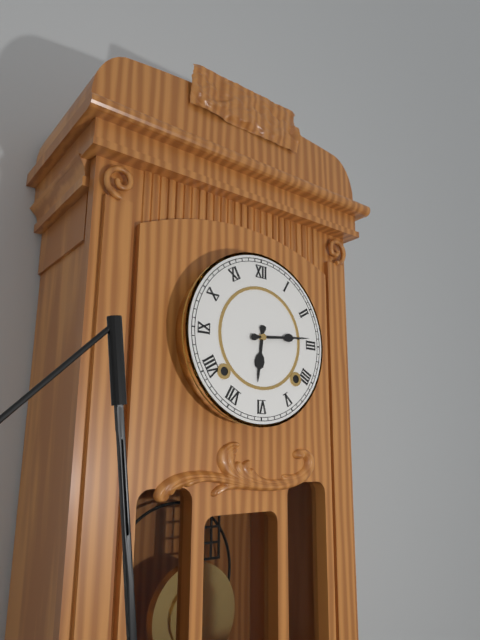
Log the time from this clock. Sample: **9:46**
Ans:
**6:14**
